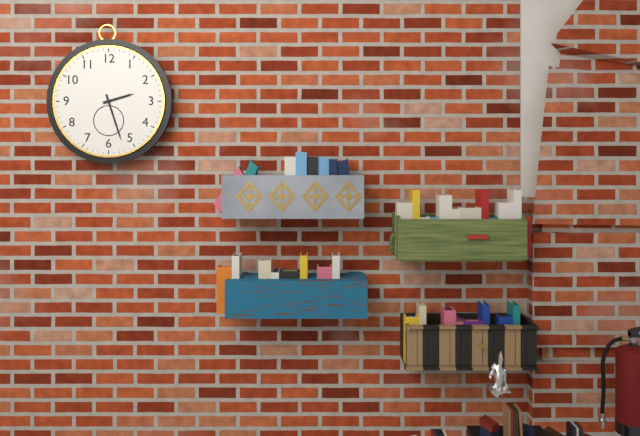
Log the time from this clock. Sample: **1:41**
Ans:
**2:27**
